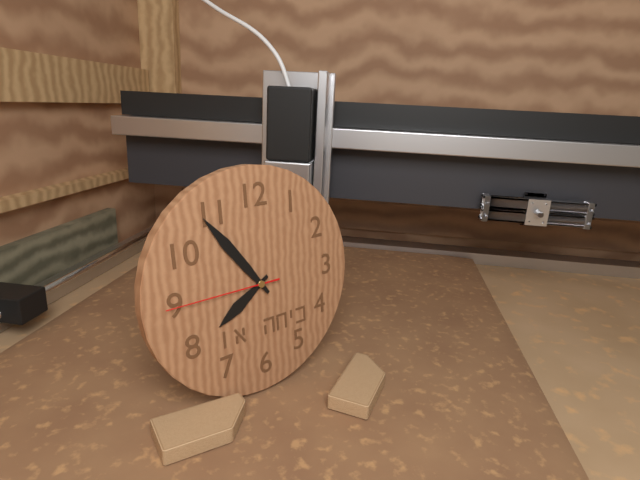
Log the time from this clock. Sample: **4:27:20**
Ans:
**7:54:45**
